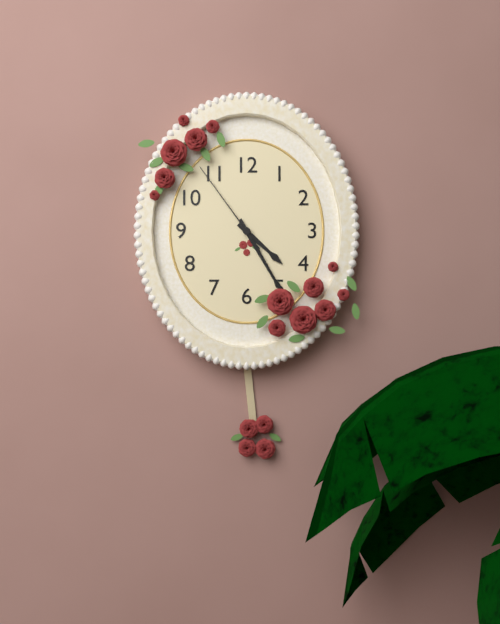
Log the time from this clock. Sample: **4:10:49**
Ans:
**4:25:54**
